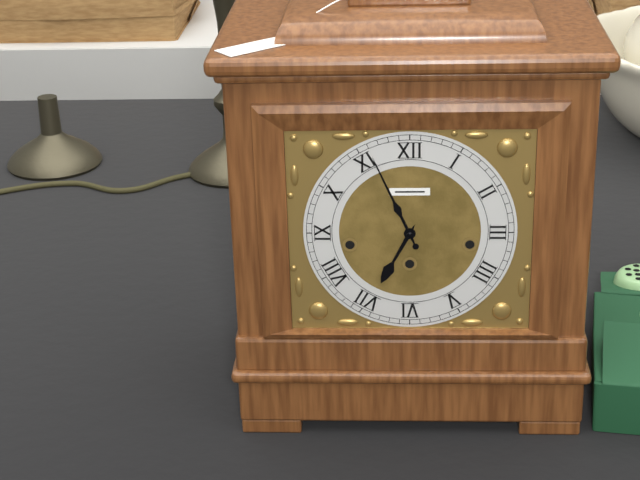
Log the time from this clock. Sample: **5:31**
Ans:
**6:56**
